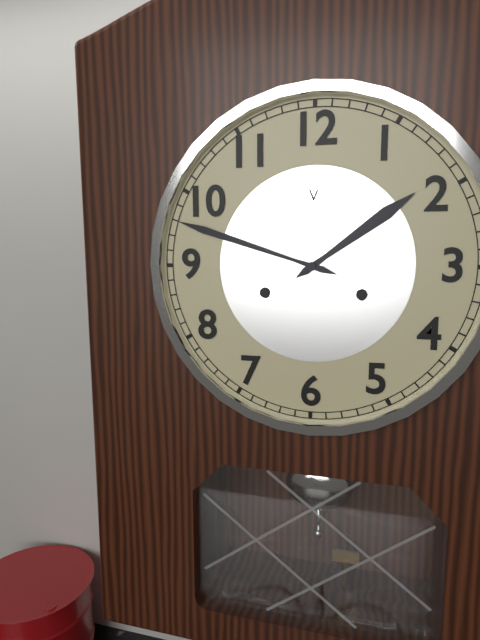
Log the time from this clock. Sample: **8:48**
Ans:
**1:48**
